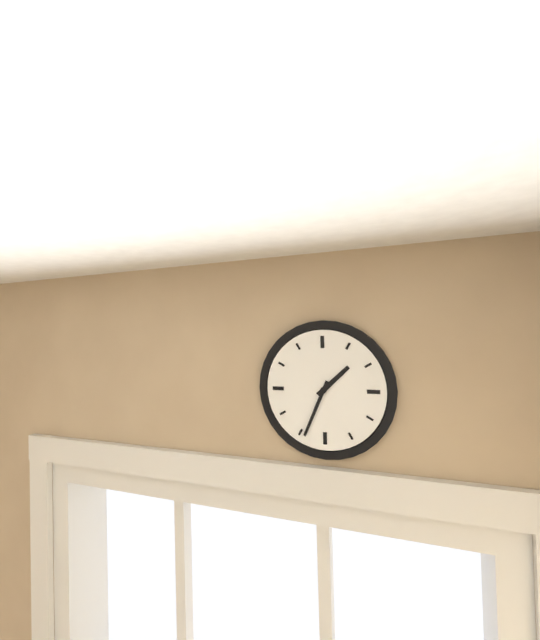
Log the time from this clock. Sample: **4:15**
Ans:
**1:34**
